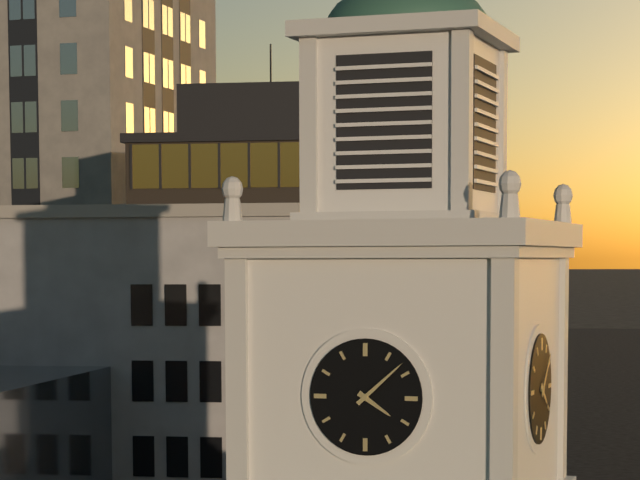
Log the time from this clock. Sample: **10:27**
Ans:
**4:08**
